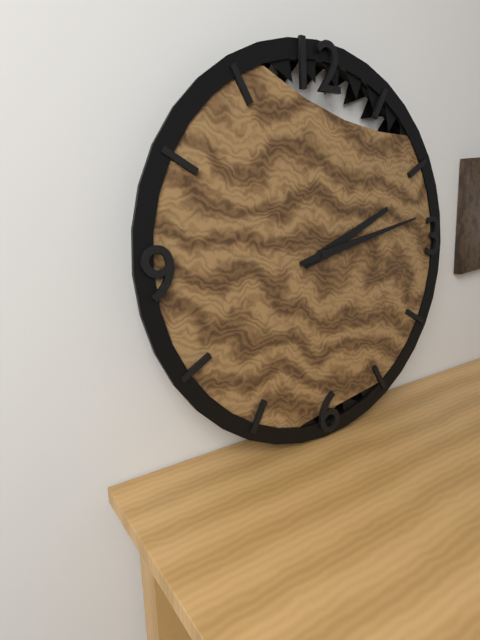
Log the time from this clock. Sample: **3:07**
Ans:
**2:13**
